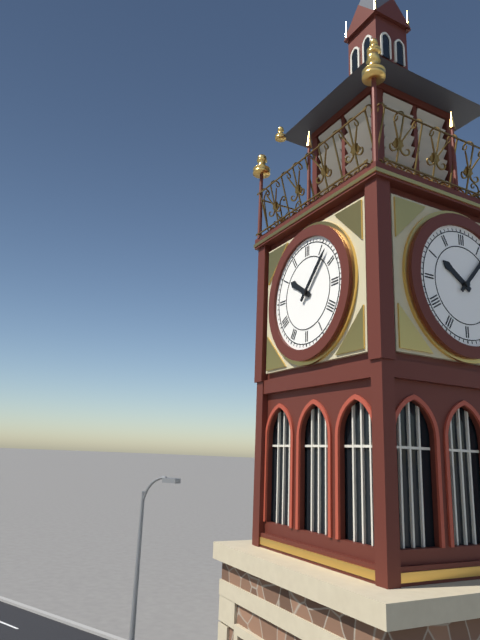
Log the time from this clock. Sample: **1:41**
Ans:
**10:07**
